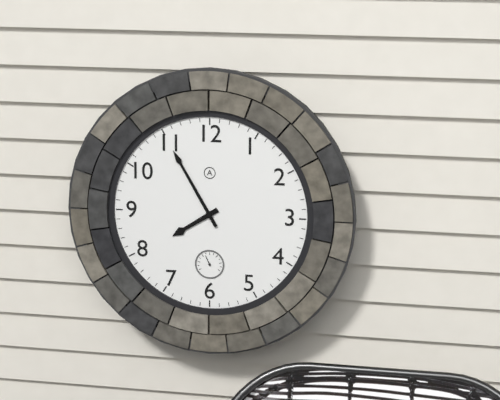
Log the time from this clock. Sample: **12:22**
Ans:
**7:55**
